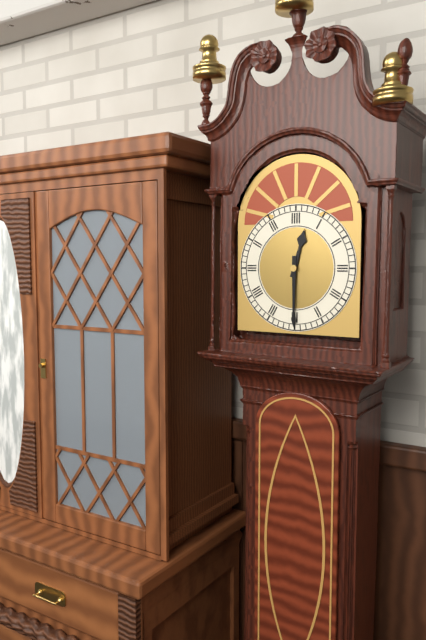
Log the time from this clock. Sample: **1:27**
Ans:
**12:30**
